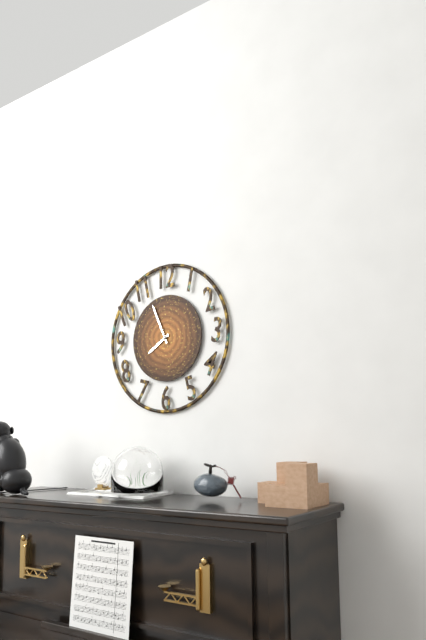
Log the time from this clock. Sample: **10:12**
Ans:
**7:56**
